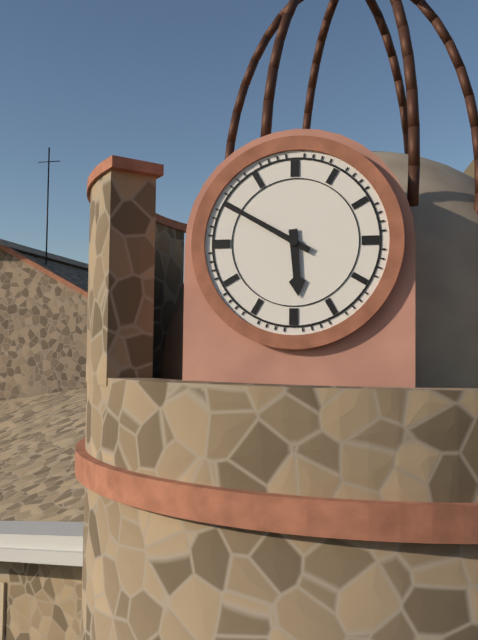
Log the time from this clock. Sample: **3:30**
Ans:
**5:50**
